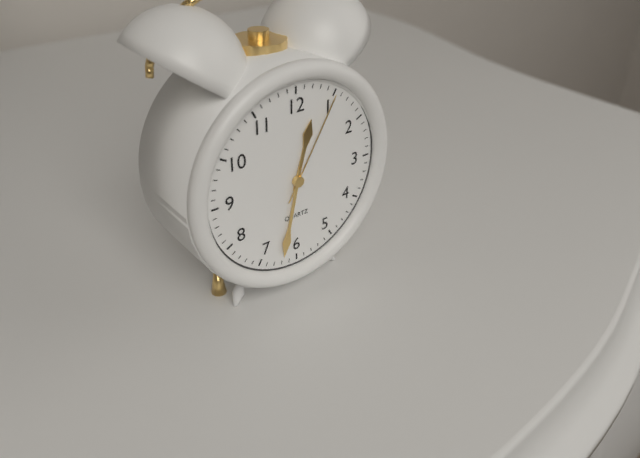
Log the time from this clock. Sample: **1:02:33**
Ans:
**12:32:05**
